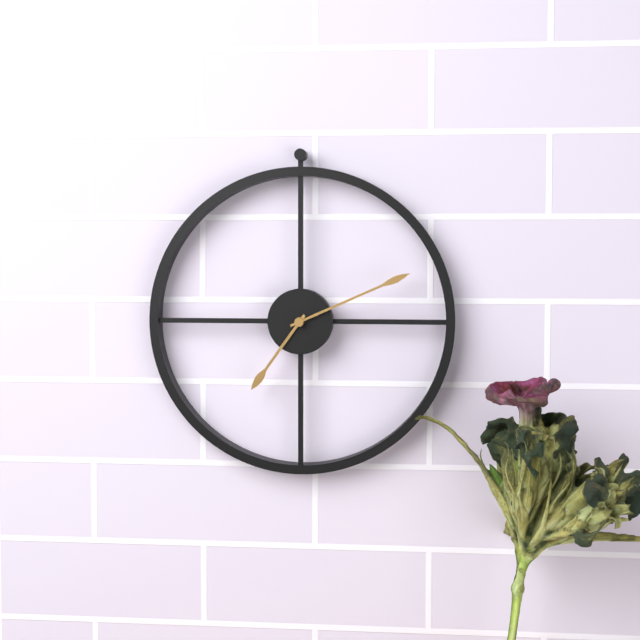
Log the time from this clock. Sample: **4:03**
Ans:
**7:11**
